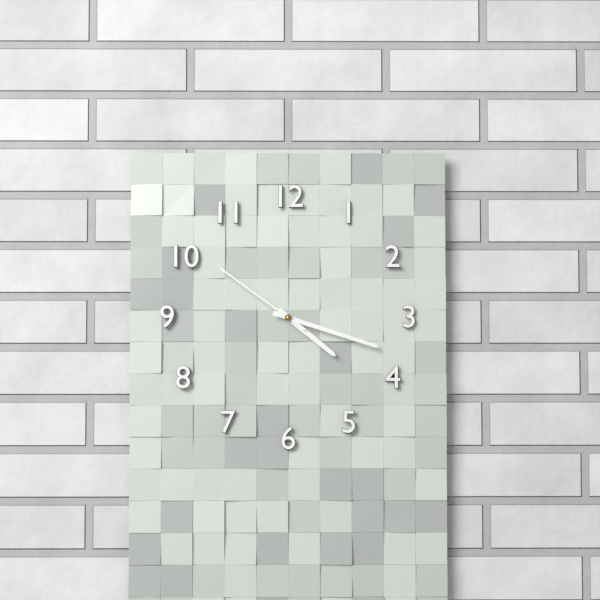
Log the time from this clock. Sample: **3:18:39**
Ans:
**4:18:51**
